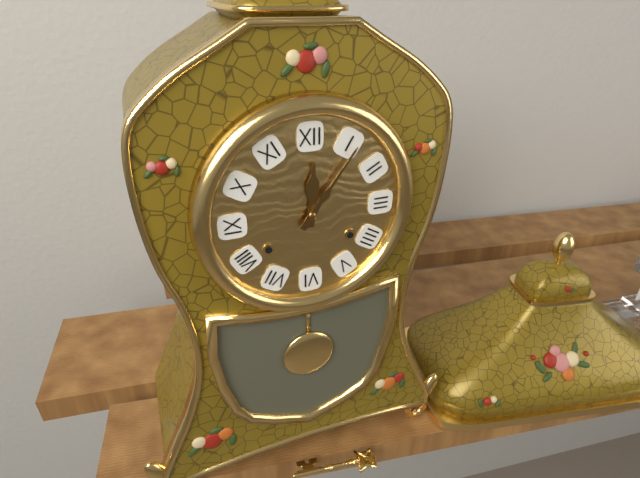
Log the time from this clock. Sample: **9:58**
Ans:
**12:06**
